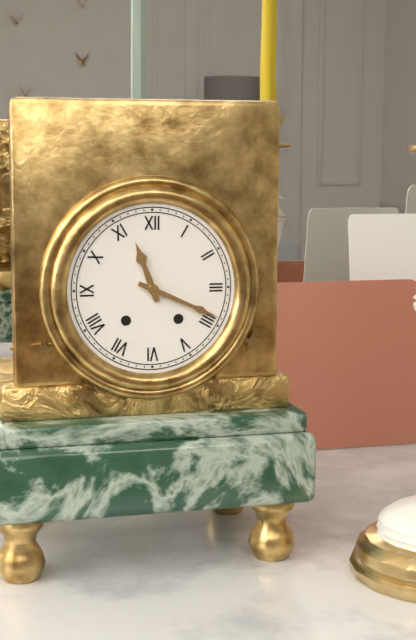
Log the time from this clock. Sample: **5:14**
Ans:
**11:19**
